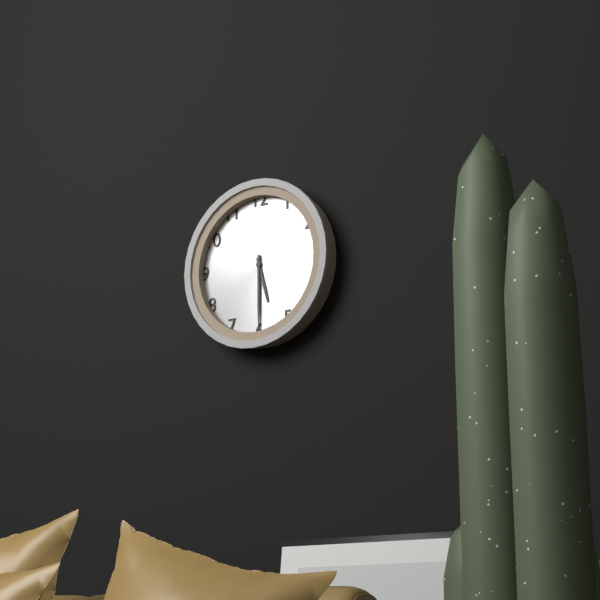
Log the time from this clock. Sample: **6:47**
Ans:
**5:30**
